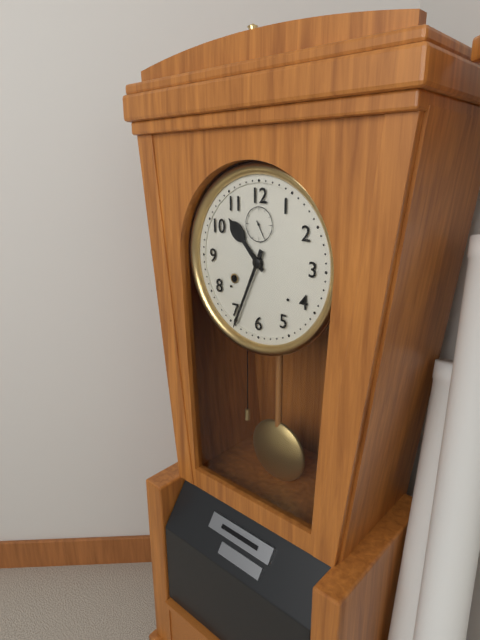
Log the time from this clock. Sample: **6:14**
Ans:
**10:34**
